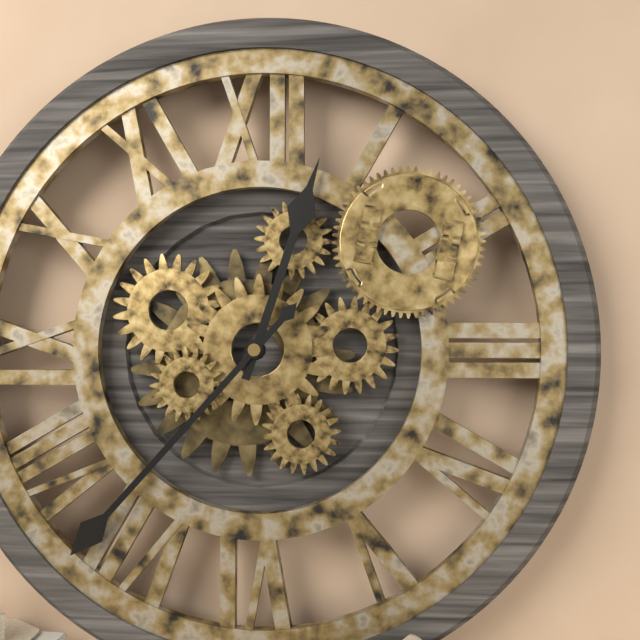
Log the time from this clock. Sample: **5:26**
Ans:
**12:37**
